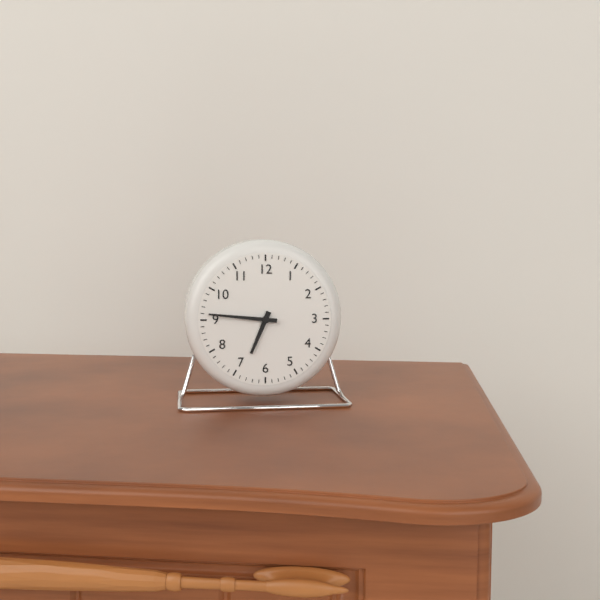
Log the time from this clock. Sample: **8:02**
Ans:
**6:46**
